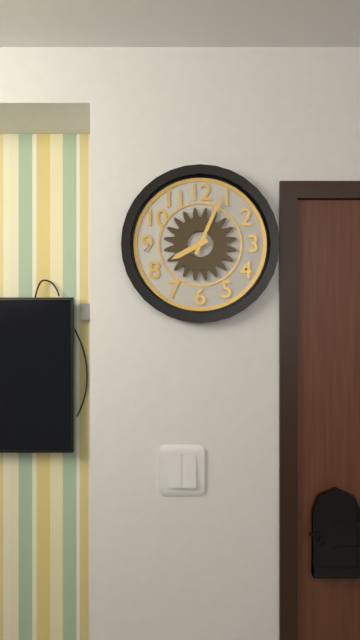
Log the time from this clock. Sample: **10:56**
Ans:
**8:04**
